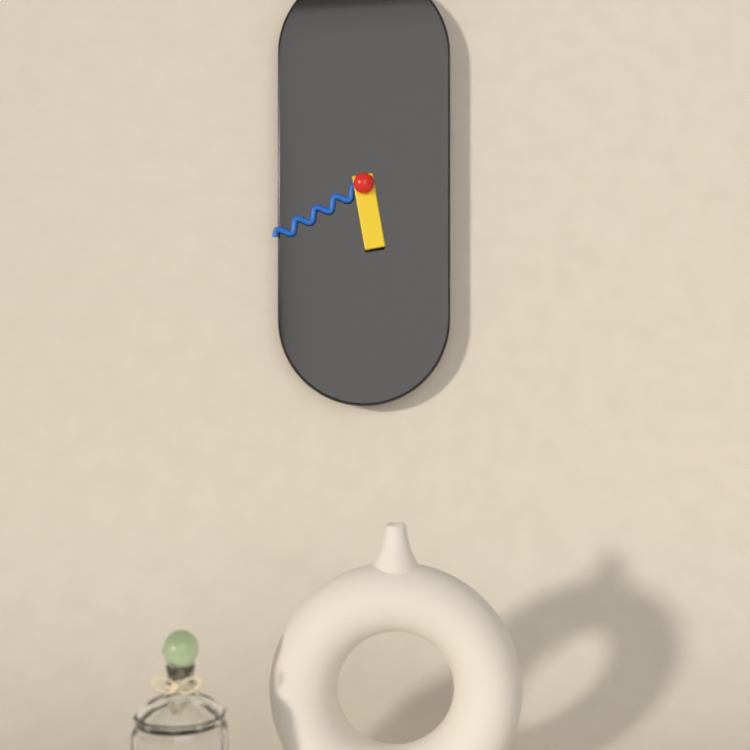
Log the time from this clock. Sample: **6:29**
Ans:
**5:40**
